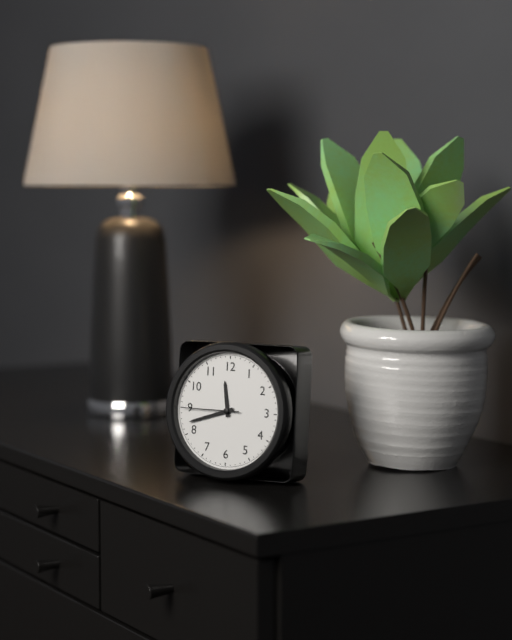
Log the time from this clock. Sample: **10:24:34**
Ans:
**11:42:45**
